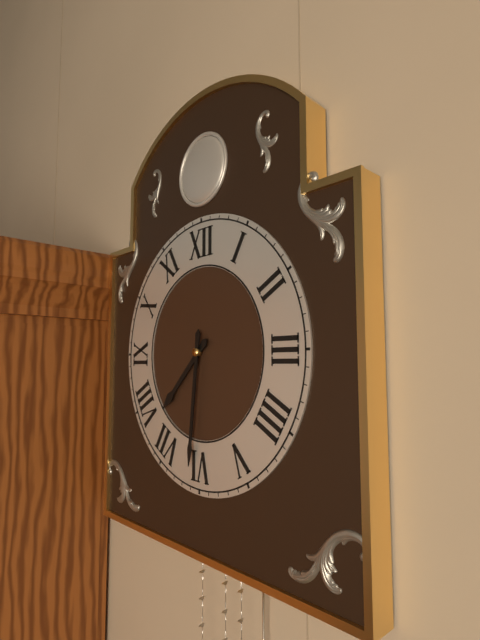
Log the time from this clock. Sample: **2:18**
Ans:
**7:31**
